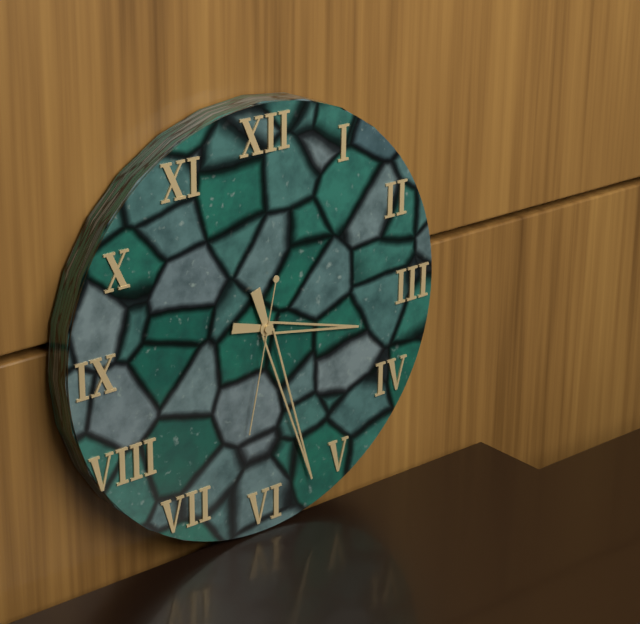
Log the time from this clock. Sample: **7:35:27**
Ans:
**3:27:32**
